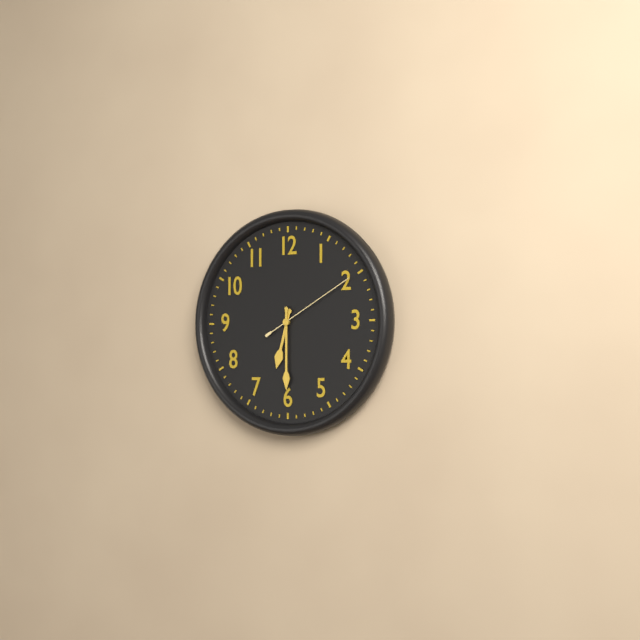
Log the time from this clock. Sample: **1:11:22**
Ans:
**6:30:10**
